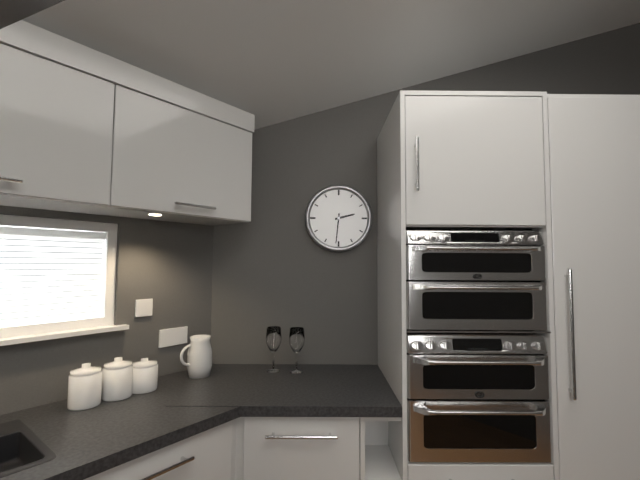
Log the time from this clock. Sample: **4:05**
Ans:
**2:31**
